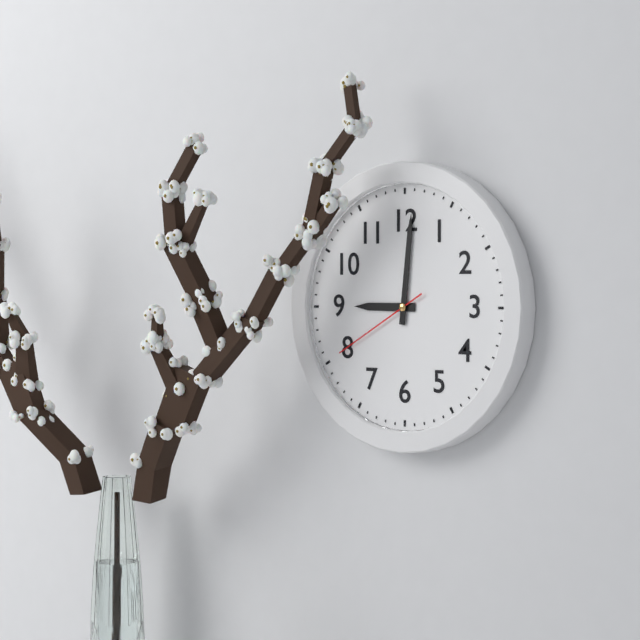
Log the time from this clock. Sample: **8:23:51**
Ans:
**9:01:40**
